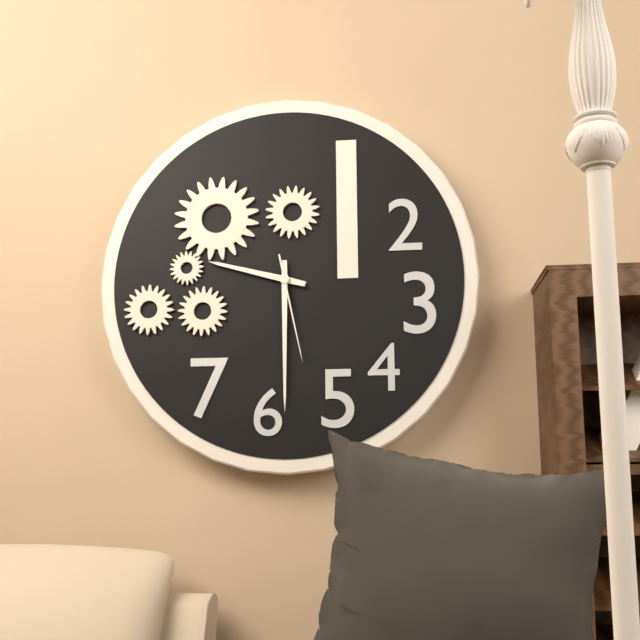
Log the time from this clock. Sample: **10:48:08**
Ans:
**9:30:28**
